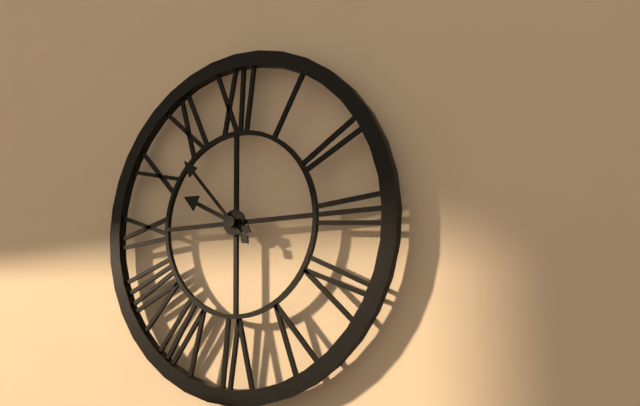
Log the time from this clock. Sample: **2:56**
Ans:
**9:53**
